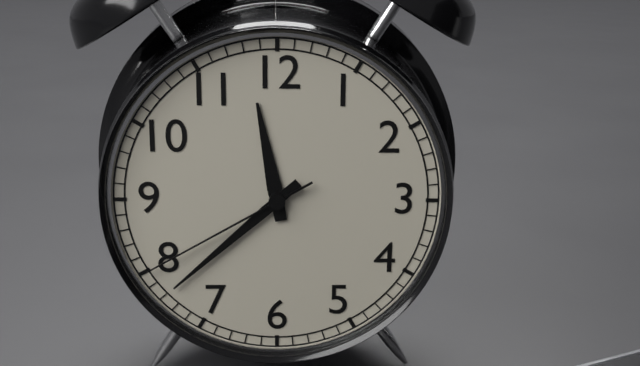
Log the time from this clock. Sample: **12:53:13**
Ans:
**11:38:40**
